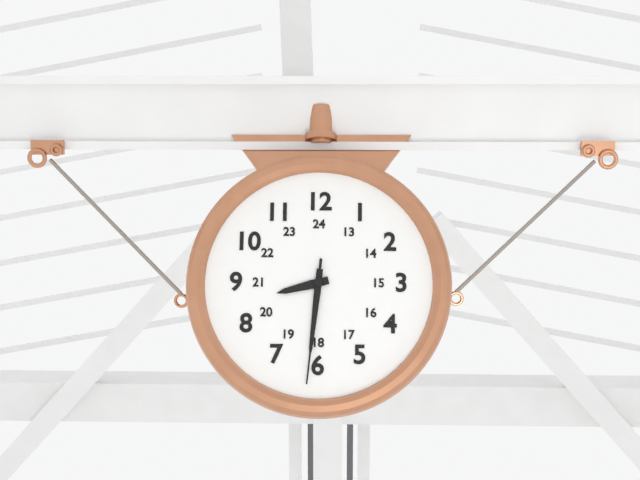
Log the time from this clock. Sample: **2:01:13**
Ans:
**8:31:31**
